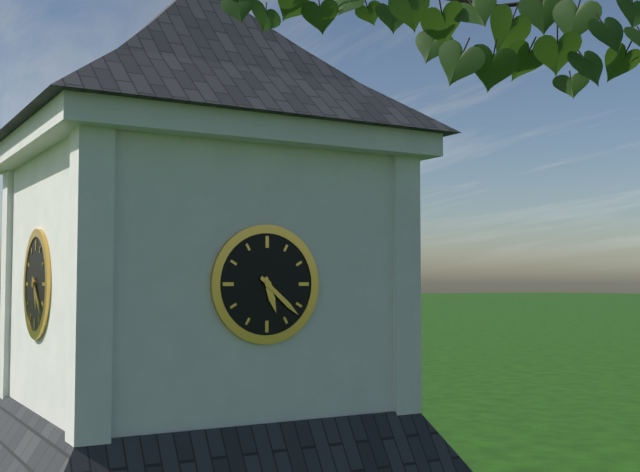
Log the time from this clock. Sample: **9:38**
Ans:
**5:22**
